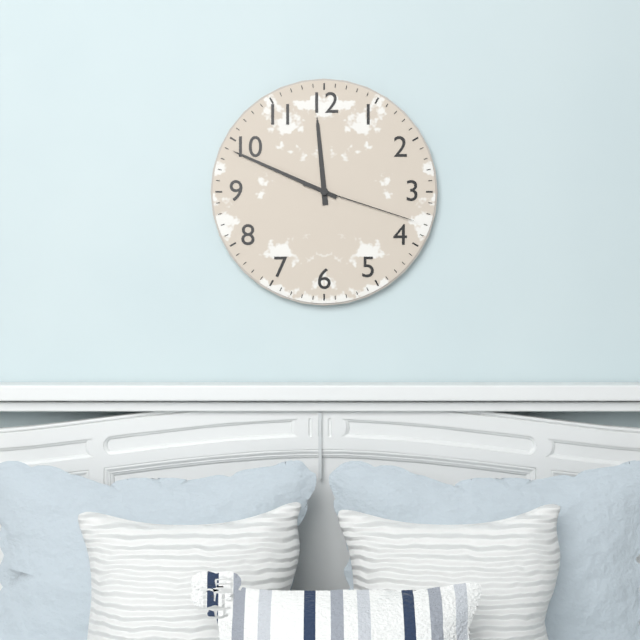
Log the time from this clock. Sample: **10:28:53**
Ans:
**11:49:18**
